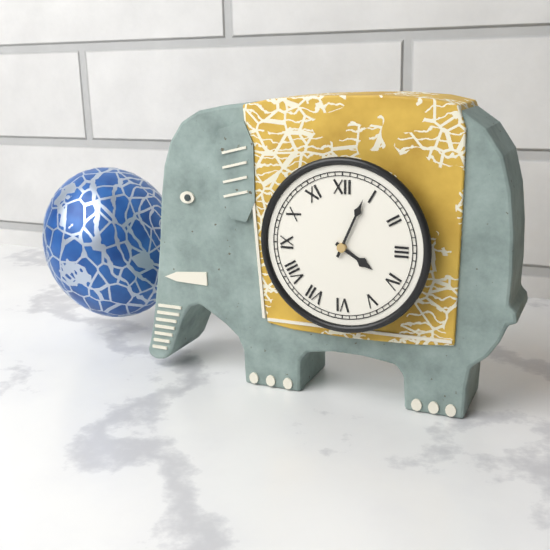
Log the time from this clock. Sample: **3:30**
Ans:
**4:04**
